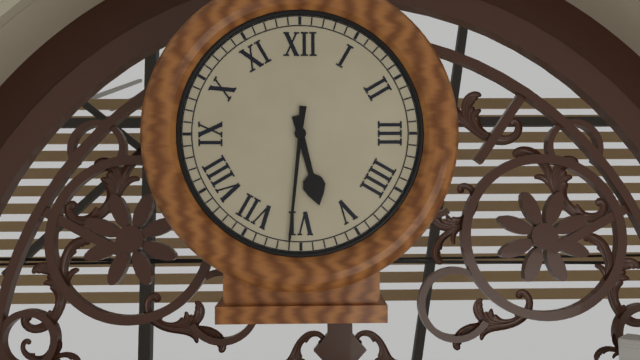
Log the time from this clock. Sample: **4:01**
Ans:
**5:31**
